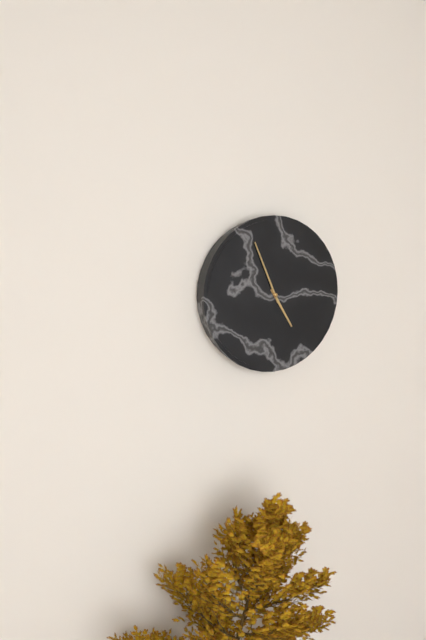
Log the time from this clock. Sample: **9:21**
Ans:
**4:56**
